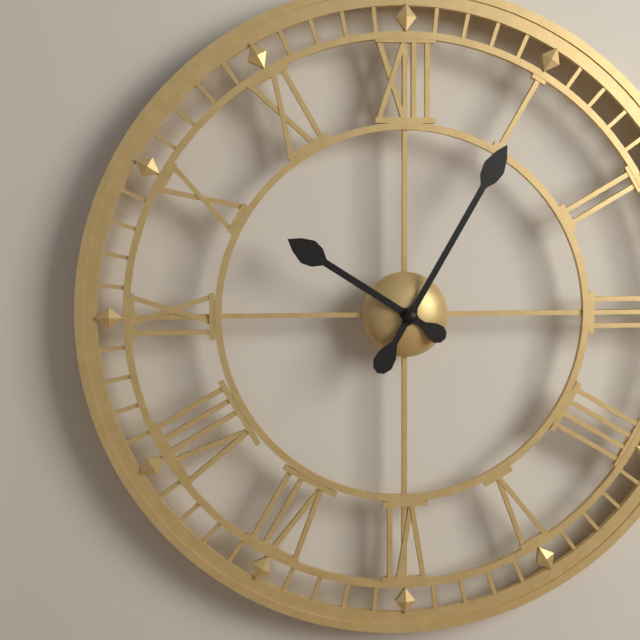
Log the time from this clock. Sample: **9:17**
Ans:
**10:05**
